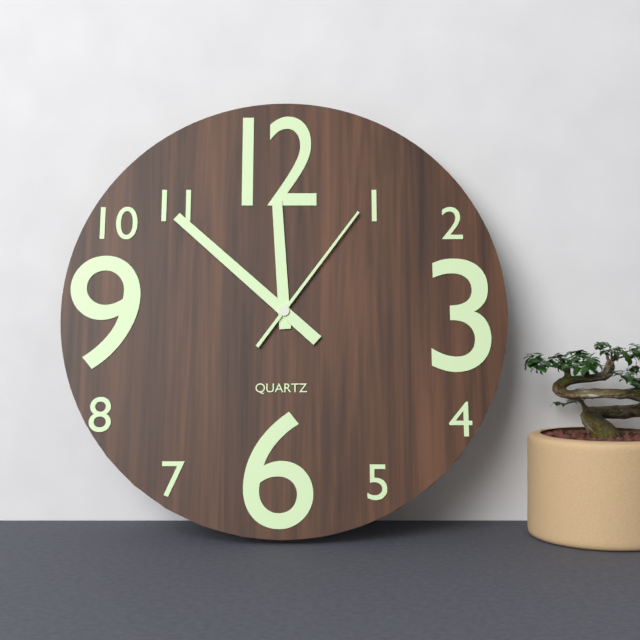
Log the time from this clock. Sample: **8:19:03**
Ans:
**11:52:06**
